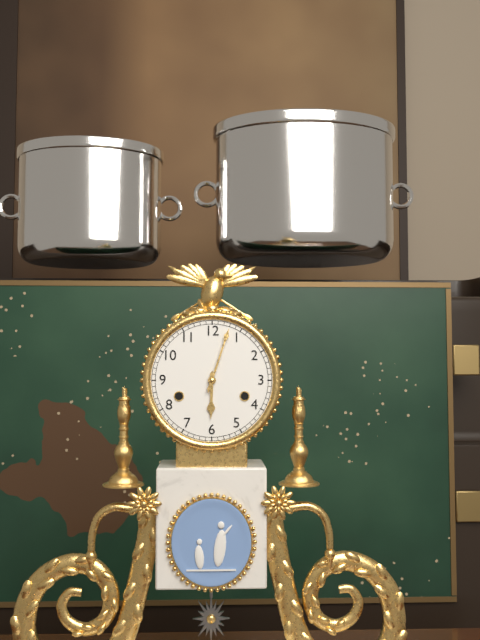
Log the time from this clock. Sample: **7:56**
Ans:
**6:03**
